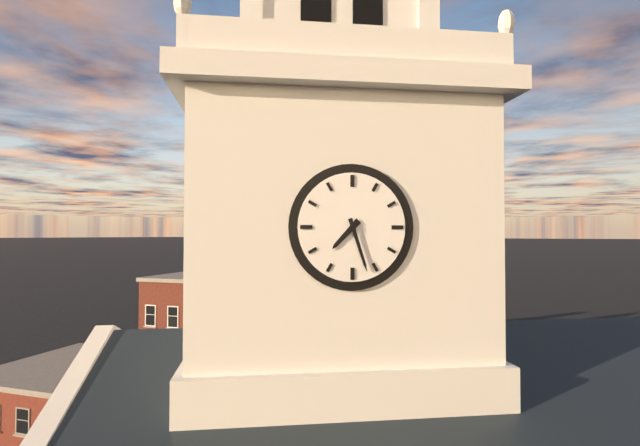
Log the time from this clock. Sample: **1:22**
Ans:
**7:27**
